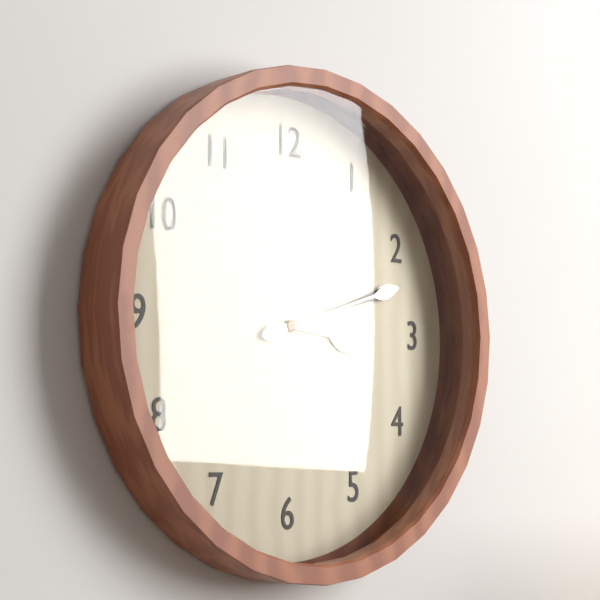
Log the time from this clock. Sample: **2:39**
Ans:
**3:12**
